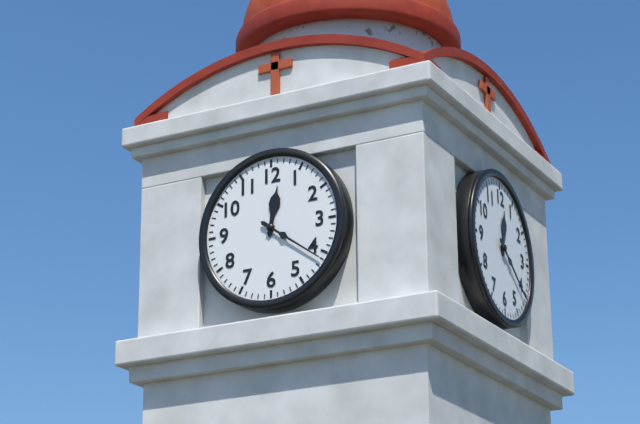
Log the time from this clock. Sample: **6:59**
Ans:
**12:21**
